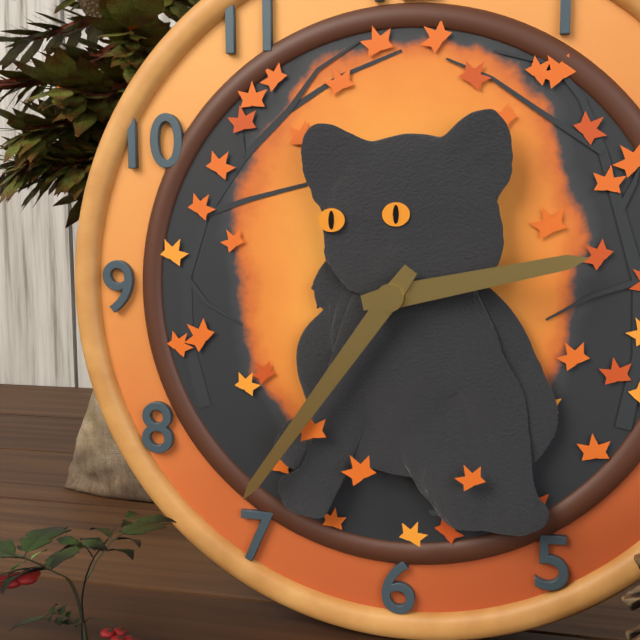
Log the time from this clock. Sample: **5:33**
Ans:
**2:36**
